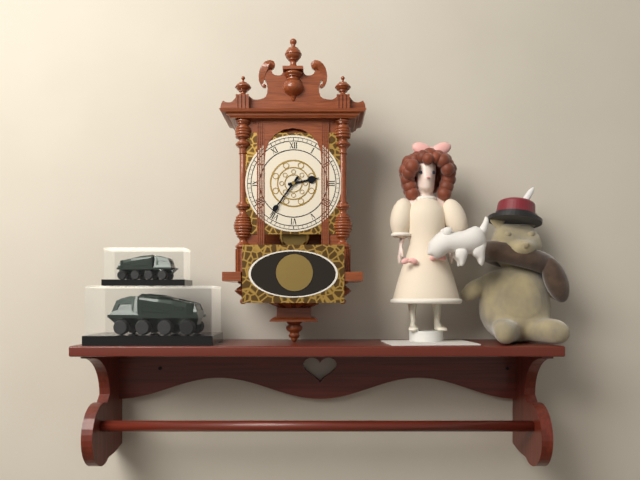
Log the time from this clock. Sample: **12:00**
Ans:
**2:36**
